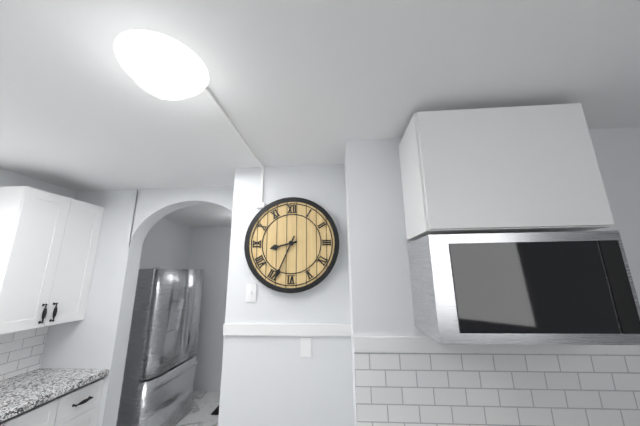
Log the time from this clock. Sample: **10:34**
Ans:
**8:34**
